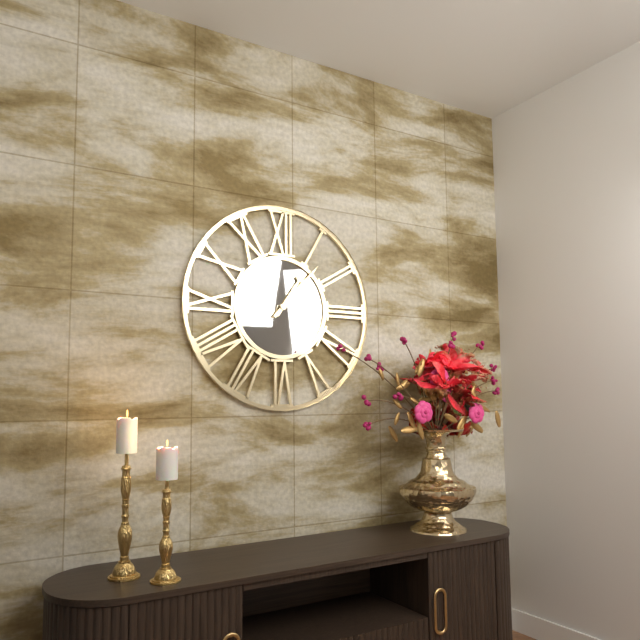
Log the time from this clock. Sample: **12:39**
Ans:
**1:07**
